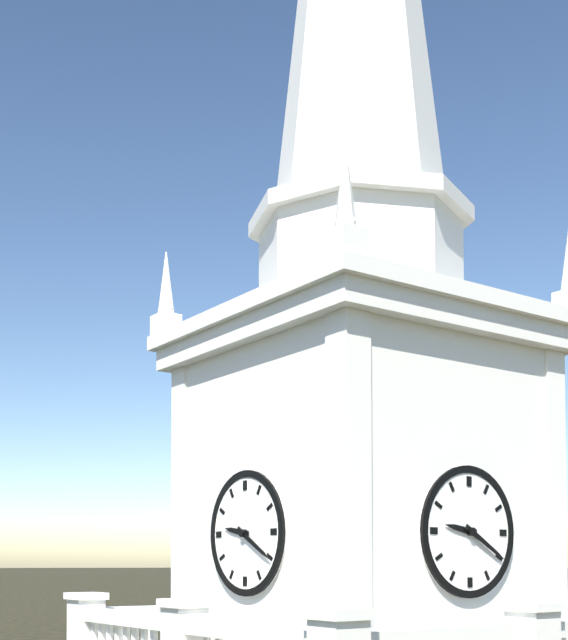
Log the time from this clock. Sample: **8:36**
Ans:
**9:20**
